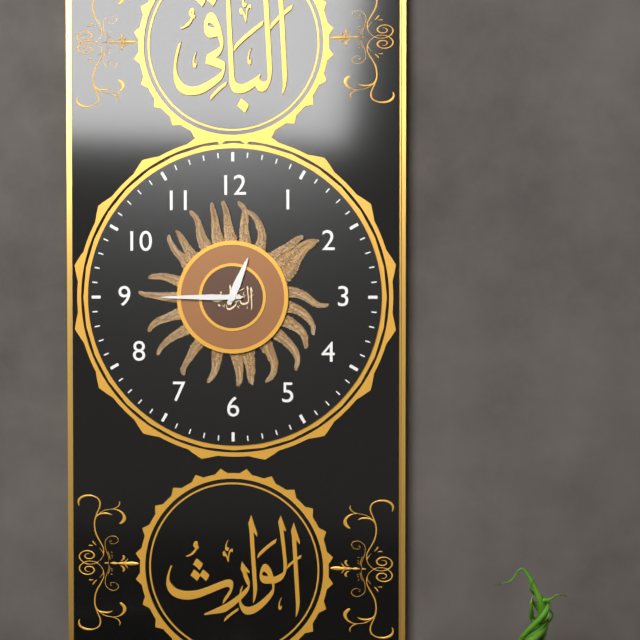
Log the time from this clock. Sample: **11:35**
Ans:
**12:45**
